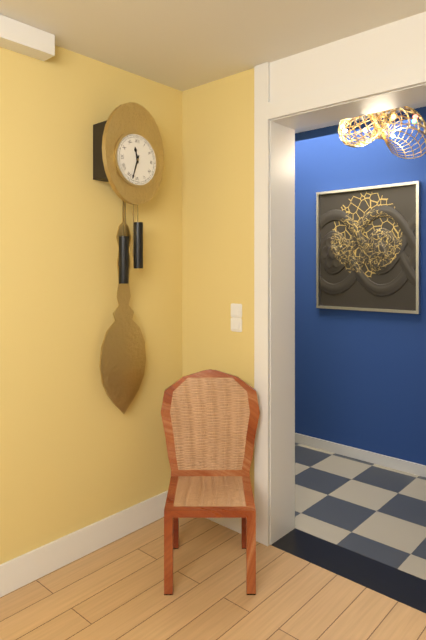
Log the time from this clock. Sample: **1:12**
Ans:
**11:33**
